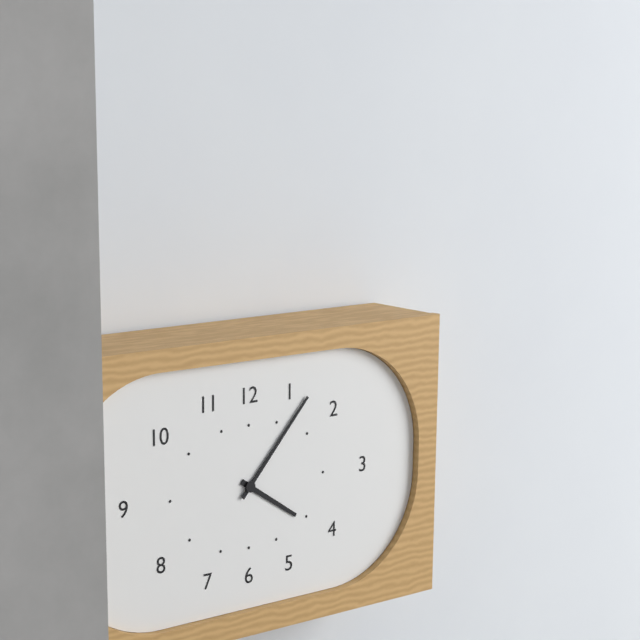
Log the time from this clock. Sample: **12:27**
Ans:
**4:07**
